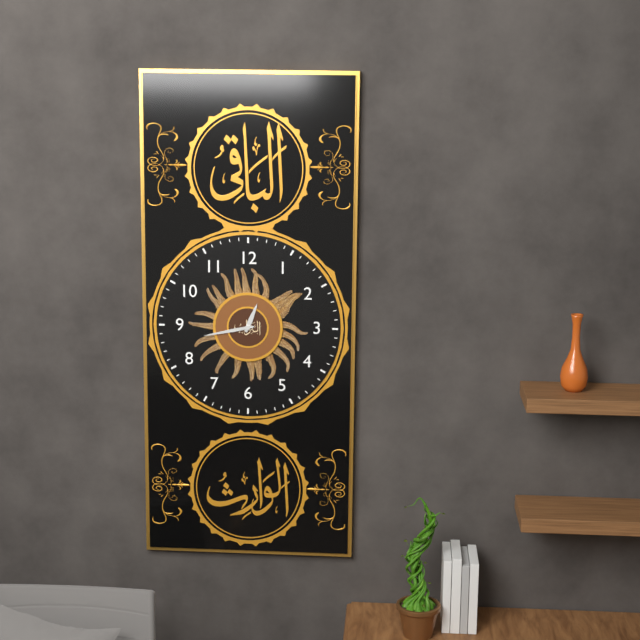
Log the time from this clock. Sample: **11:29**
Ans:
**12:43**
